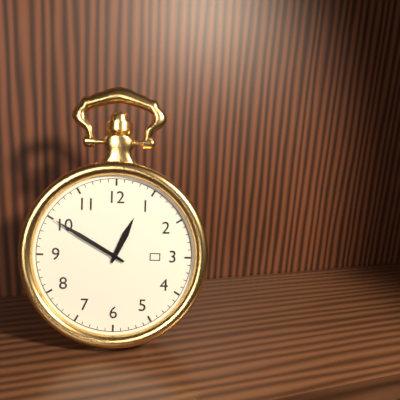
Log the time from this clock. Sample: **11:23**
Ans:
**12:50**
